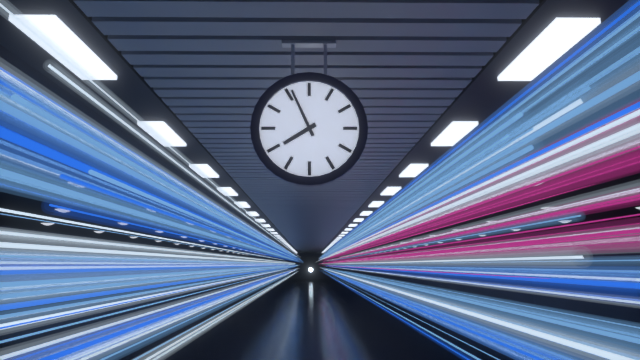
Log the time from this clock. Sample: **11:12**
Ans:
**7:56**
